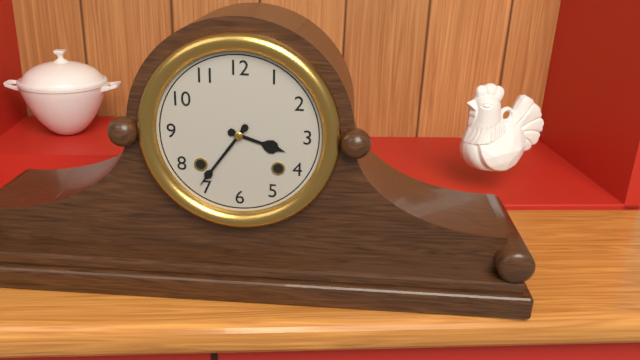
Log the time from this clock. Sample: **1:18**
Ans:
**3:36**
